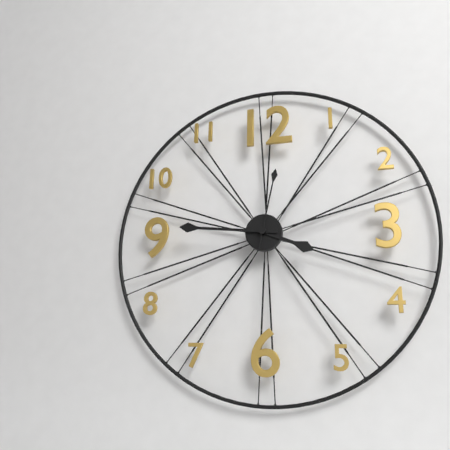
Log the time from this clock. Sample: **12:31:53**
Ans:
**3:46:02**
